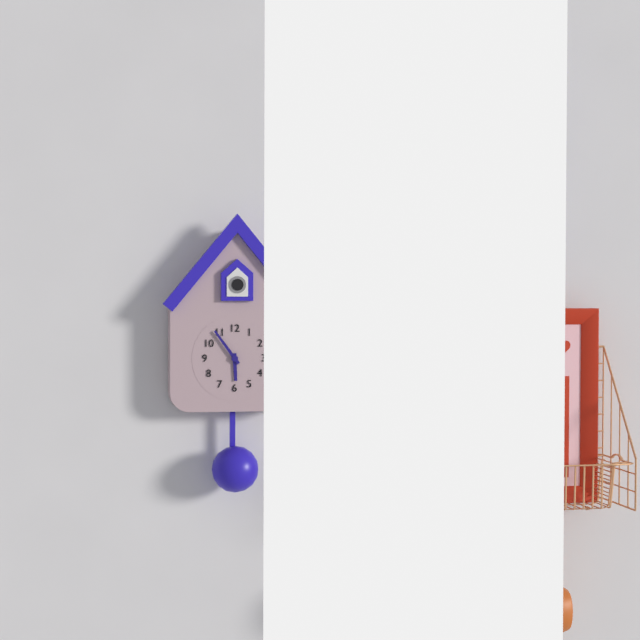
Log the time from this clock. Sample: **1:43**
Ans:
**5:54**
